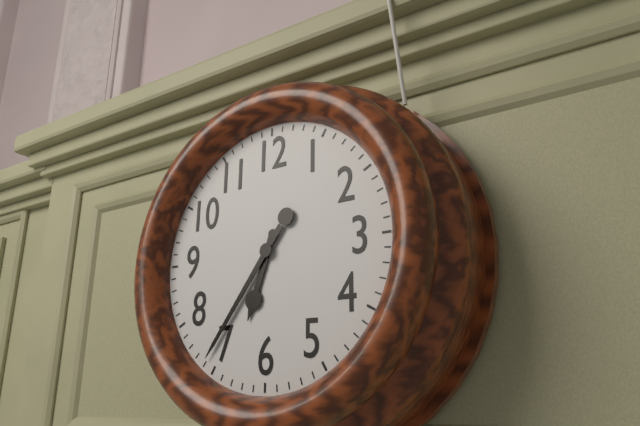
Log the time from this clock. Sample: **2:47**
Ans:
**6:36**
